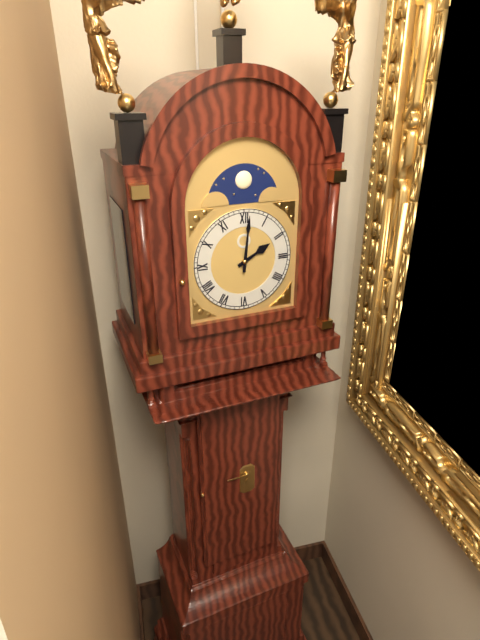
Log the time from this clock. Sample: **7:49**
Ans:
**2:01**
